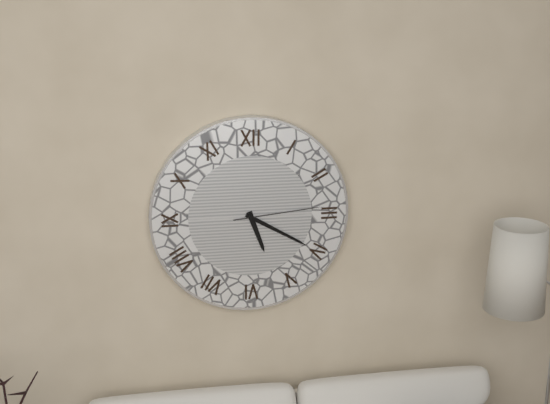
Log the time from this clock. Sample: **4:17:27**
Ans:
**5:20:14**
